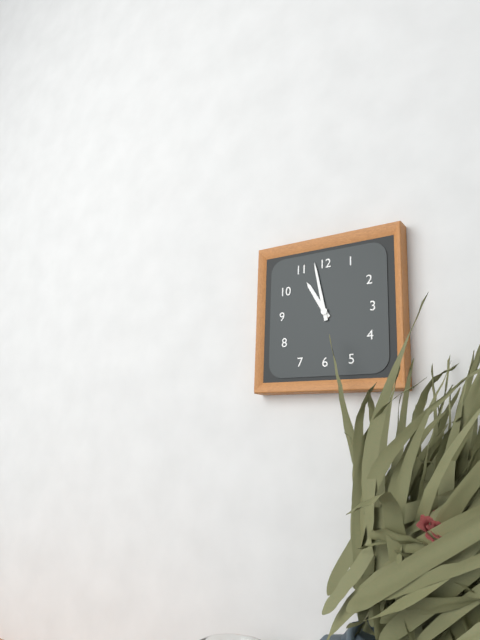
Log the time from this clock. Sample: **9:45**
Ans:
**10:58**
